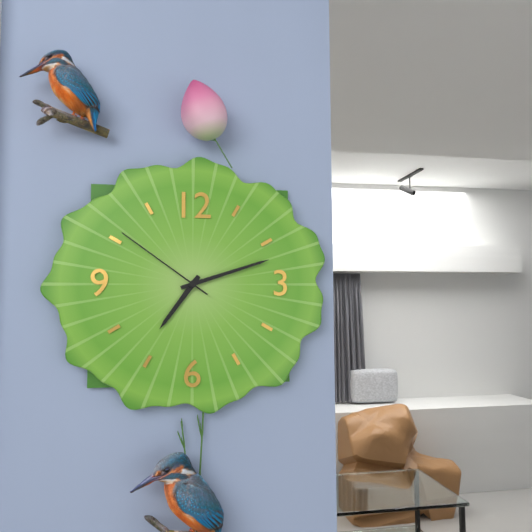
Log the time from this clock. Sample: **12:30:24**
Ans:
**7:12:51**
